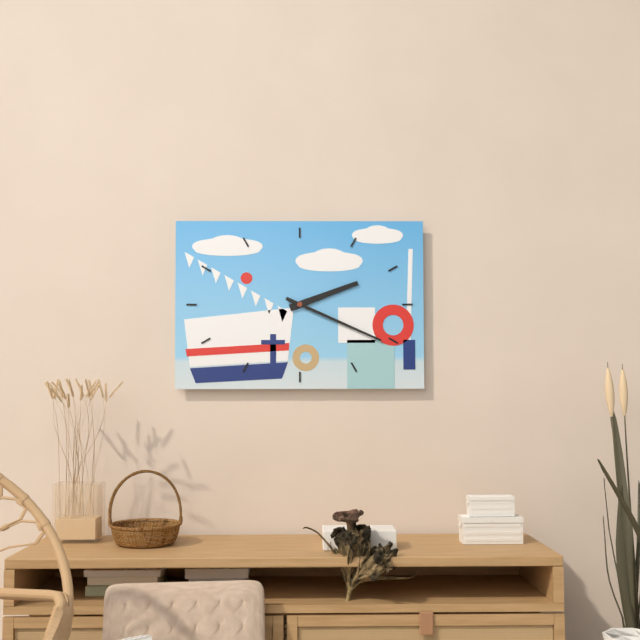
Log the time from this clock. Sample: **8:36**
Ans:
**2:19**
